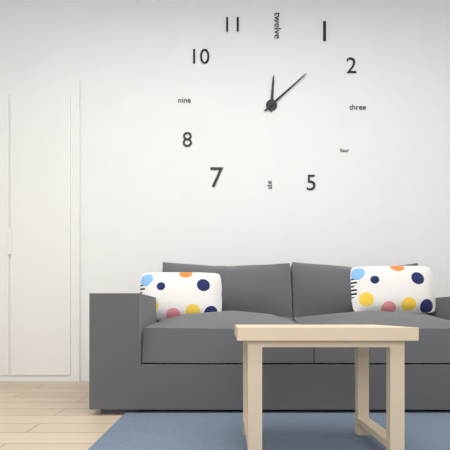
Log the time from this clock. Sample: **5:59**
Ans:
**12:08**
